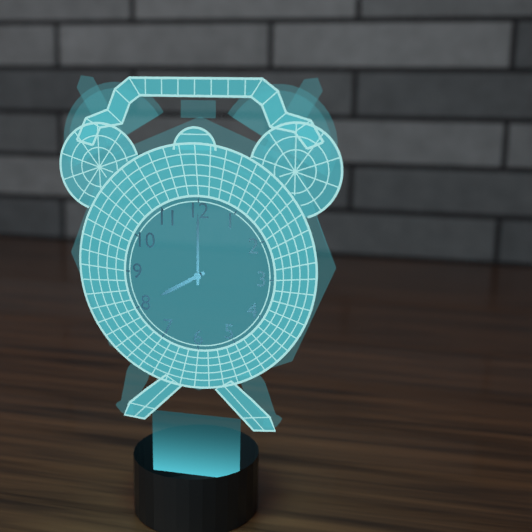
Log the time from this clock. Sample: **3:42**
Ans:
**8:00**
